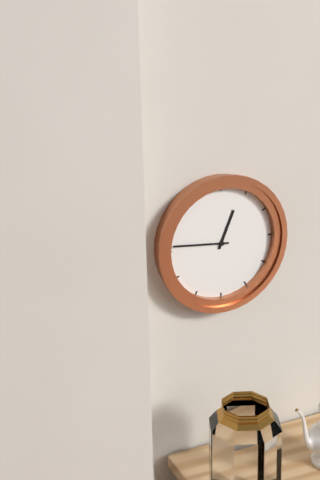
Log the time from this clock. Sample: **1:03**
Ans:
**12:46**
